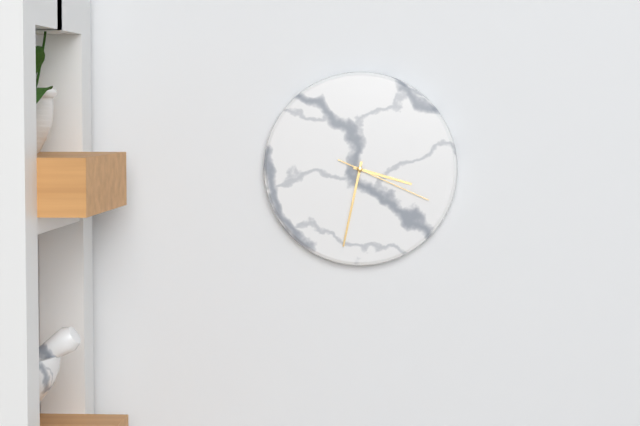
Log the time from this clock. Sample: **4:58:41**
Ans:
**3:32:19**
